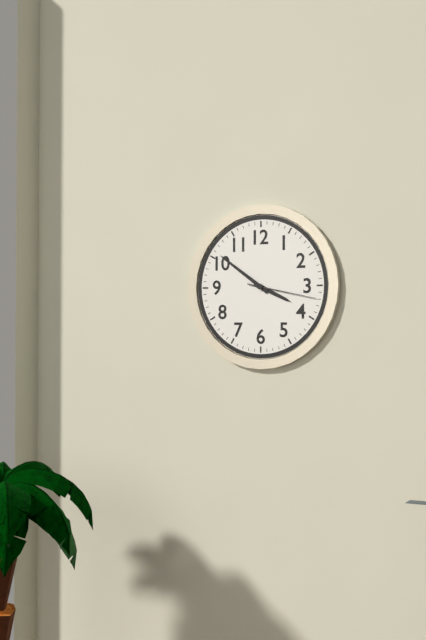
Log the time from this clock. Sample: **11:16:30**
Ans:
**3:51:17**
